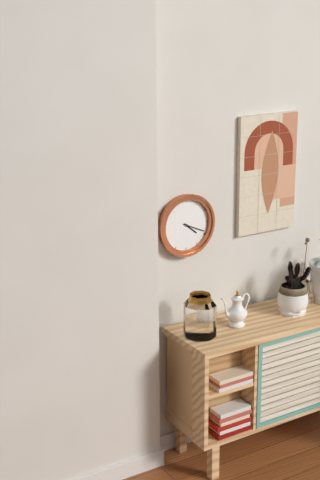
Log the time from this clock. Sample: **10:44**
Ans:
**4:19**
